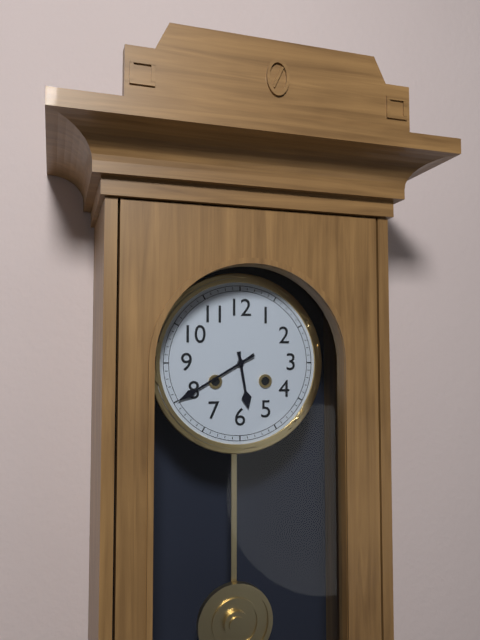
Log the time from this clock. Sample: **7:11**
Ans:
**5:40**
